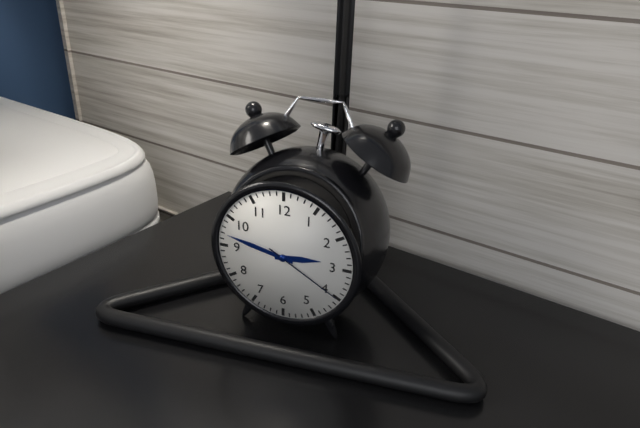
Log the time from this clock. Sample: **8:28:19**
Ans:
**2:47:20**
